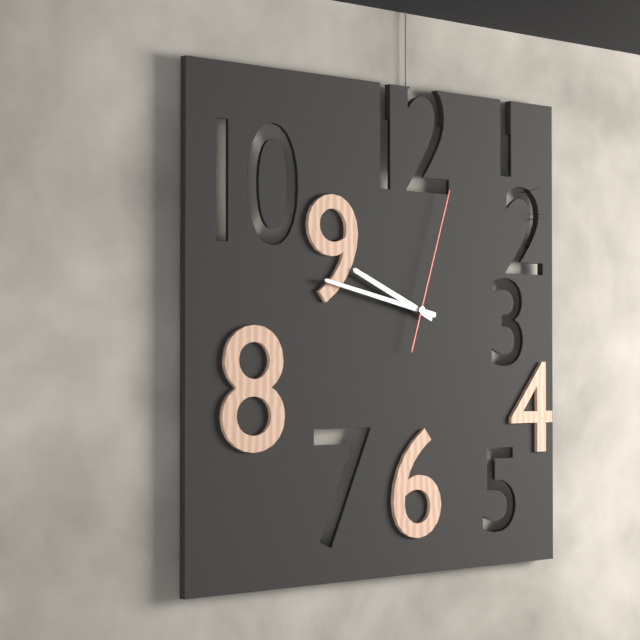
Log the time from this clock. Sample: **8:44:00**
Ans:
**9:47:03**
